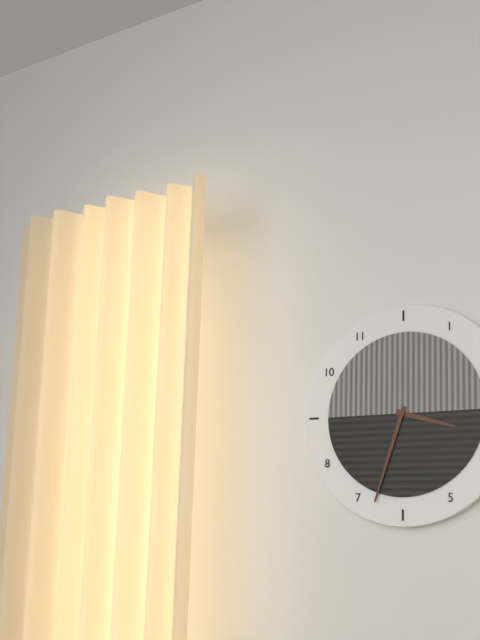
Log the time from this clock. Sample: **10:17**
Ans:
**3:33**
